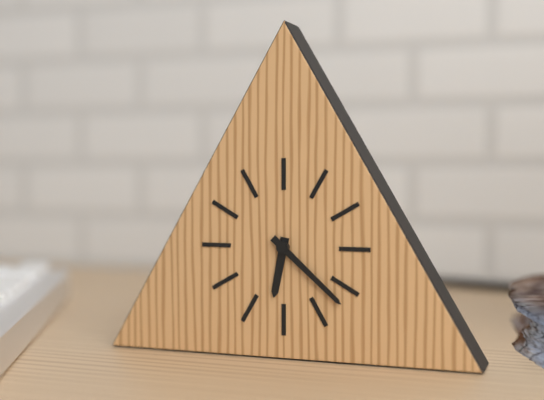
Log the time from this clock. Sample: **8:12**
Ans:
**6:22**
